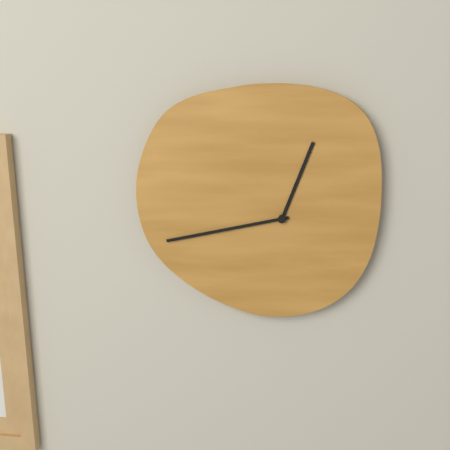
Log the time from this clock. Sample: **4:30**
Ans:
**12:43**
